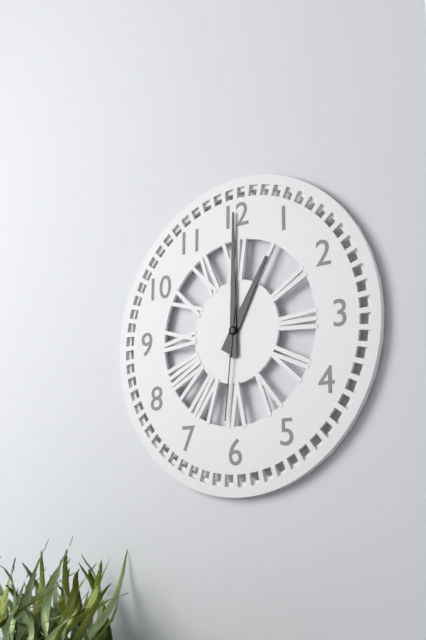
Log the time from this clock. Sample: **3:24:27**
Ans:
**1:00:31**
